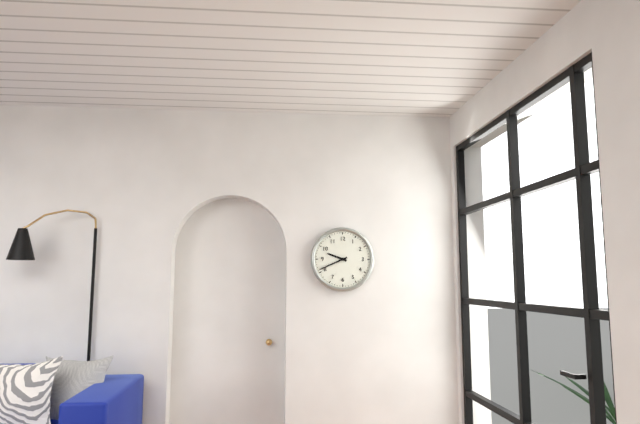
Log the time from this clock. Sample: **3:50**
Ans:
**9:41**
